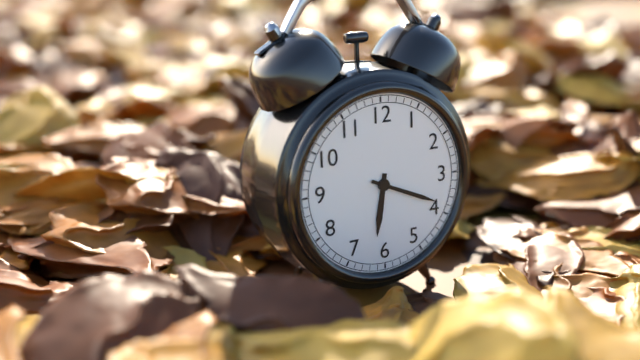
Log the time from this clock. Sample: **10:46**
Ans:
**6:19**
